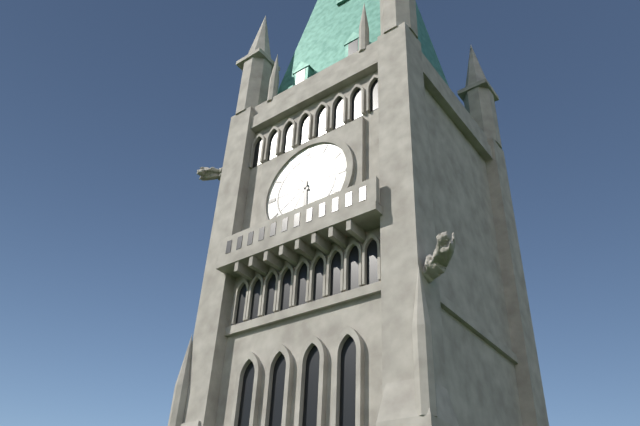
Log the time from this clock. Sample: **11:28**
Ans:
**5:54**
